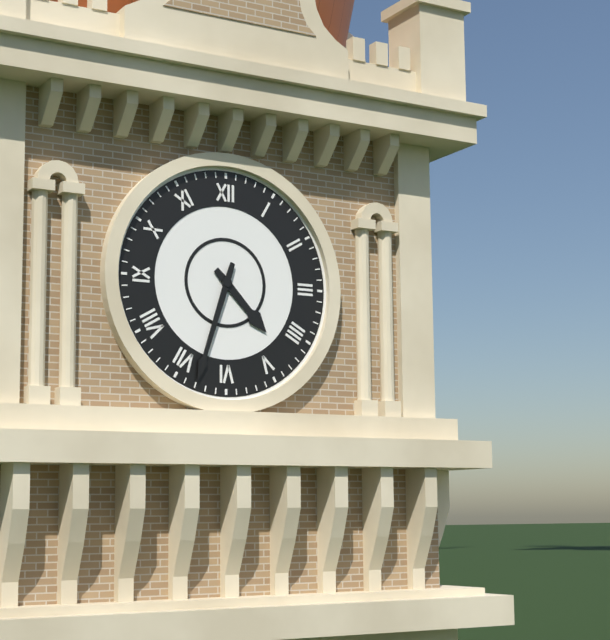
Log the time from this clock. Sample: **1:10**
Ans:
**4:33**
